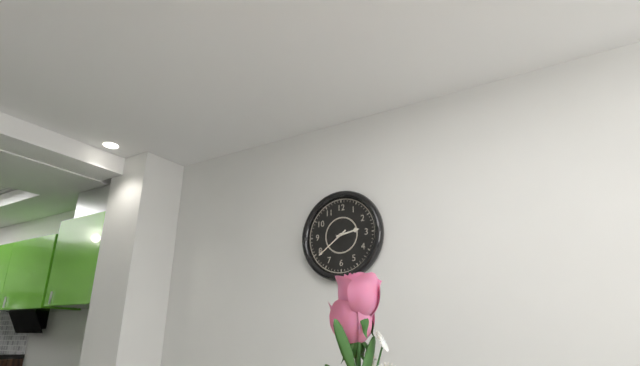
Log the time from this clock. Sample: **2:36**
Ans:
**2:39**
